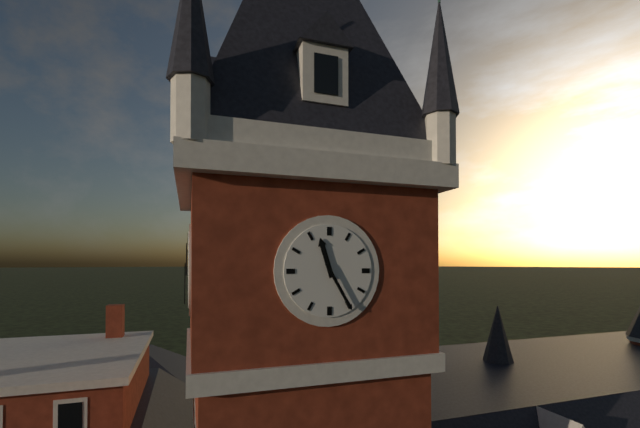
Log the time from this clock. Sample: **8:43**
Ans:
**11:25**
